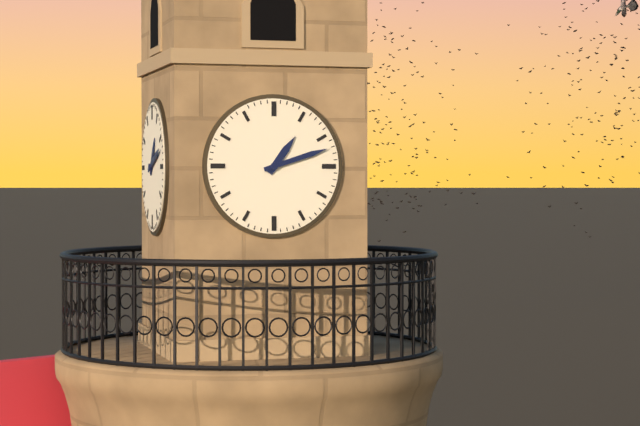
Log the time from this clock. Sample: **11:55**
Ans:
**1:12**
